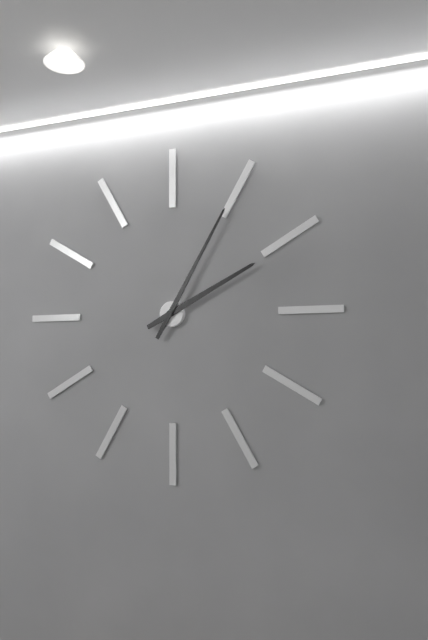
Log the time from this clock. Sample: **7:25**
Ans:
**2:05**
